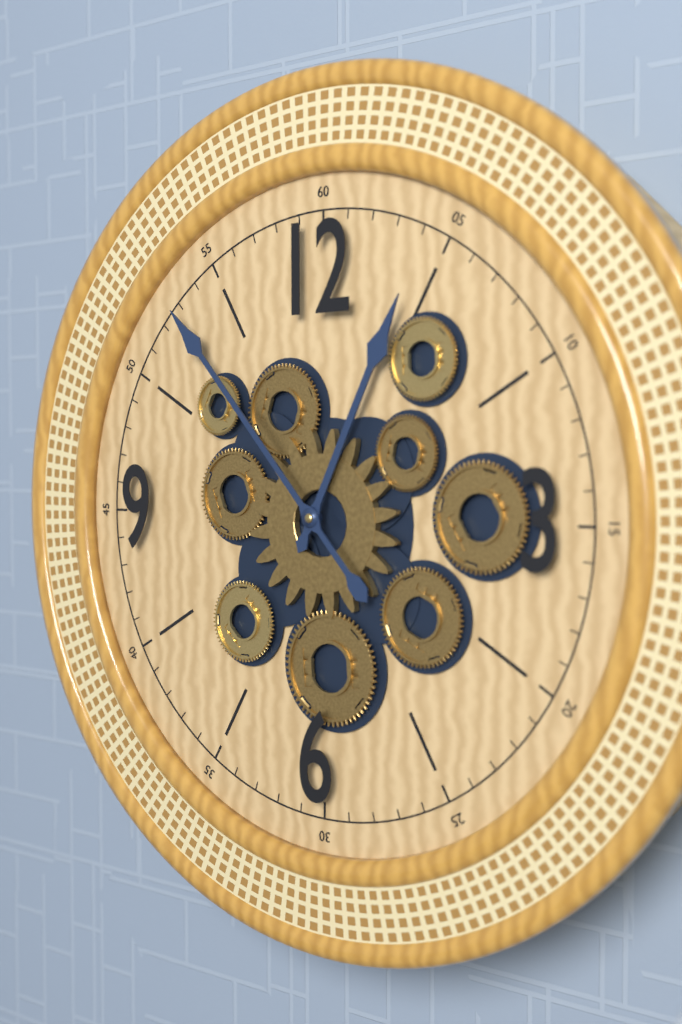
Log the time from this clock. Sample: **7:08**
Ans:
**12:53**
